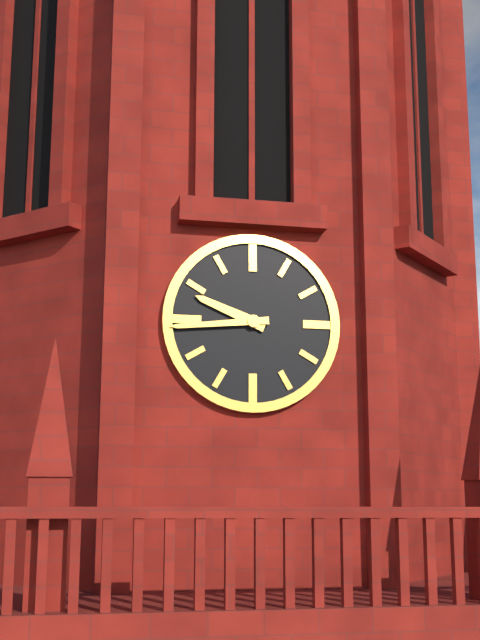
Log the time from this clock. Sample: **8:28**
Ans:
**9:44**
